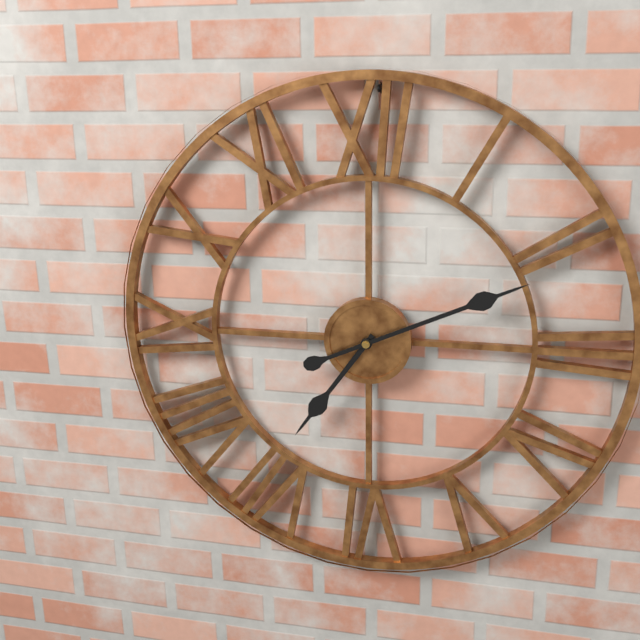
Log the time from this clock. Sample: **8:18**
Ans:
**7:11**
